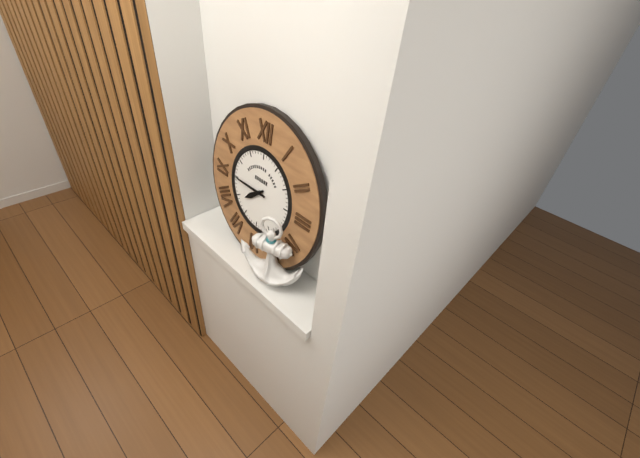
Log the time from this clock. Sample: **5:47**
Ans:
**7:45**
